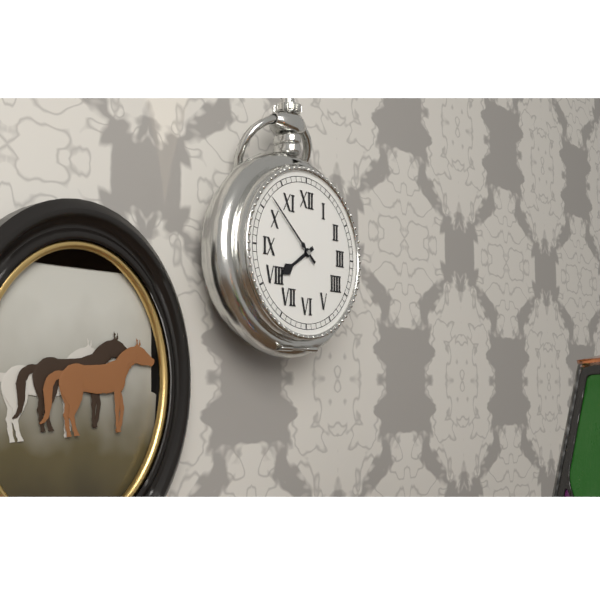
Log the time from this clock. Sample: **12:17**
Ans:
**7:52**
